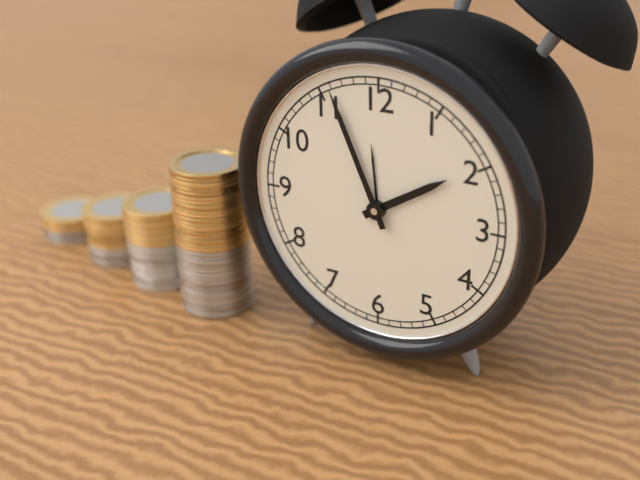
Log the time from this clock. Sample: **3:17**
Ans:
**1:56**
